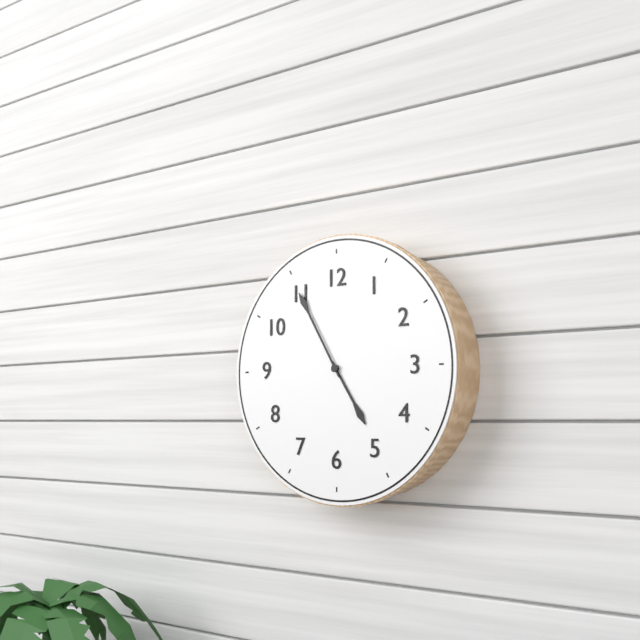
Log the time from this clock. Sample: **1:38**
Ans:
**4:55**
